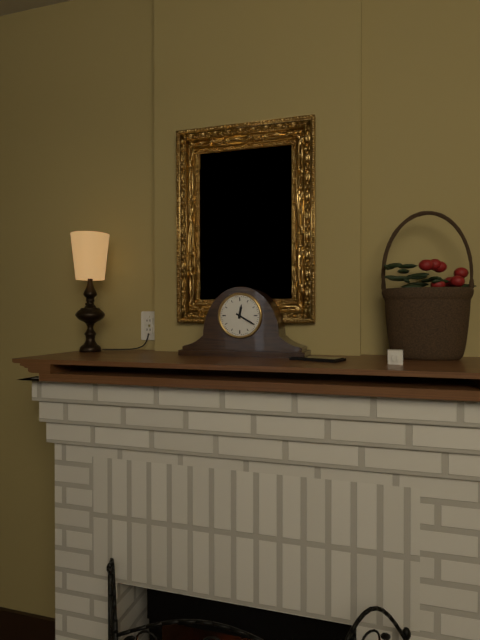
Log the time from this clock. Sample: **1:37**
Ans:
**12:20**
